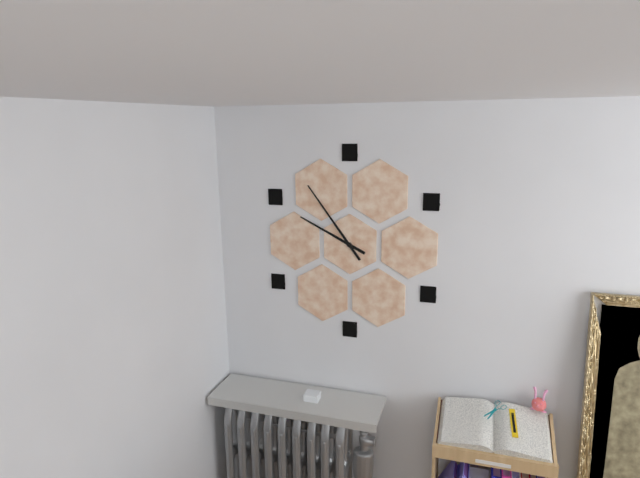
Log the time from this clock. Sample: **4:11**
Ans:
**9:54**
